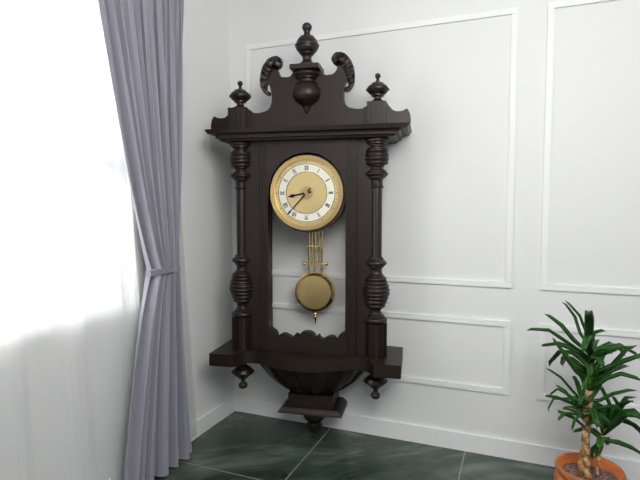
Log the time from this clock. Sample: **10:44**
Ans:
**8:37**
